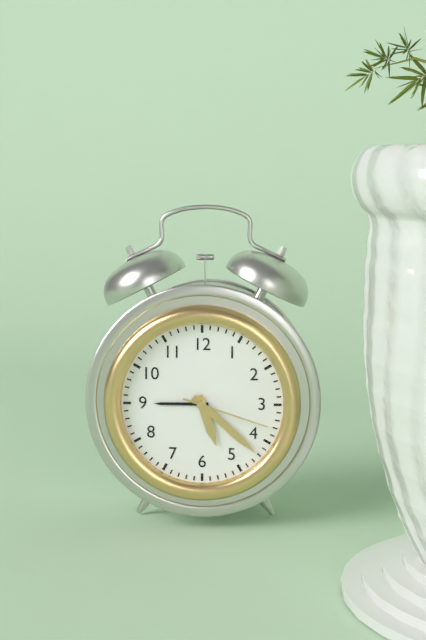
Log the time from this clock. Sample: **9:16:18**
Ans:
**5:22:18**
